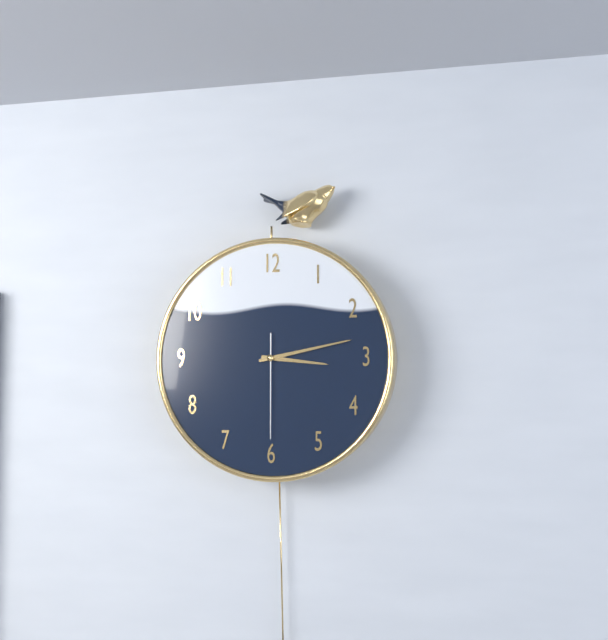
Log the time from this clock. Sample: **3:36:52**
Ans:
**3:13:30**
